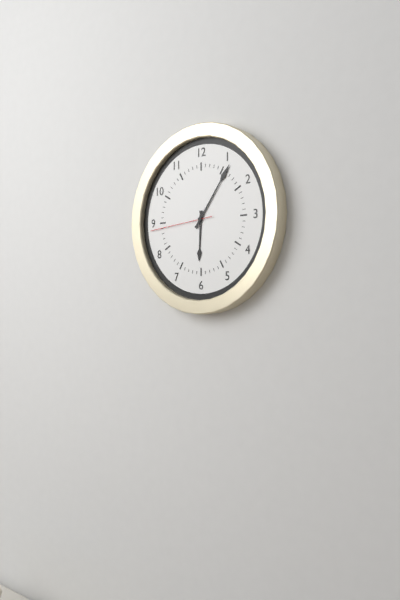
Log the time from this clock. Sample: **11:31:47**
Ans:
**6:06:44**
